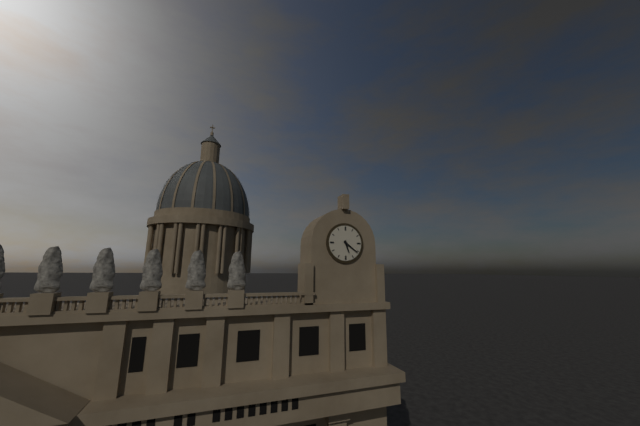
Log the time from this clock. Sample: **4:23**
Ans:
**5:21**
